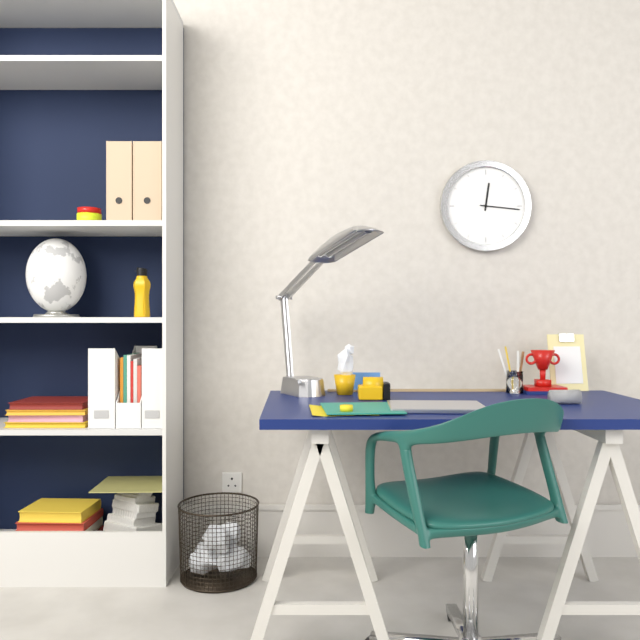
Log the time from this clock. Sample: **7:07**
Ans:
**12:16**
